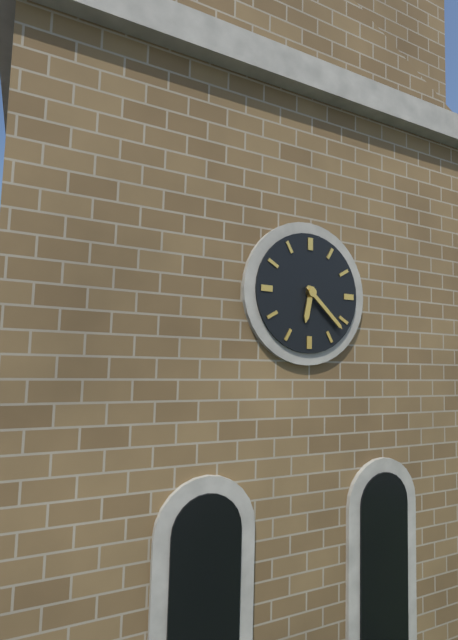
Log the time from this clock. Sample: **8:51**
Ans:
**6:22**
